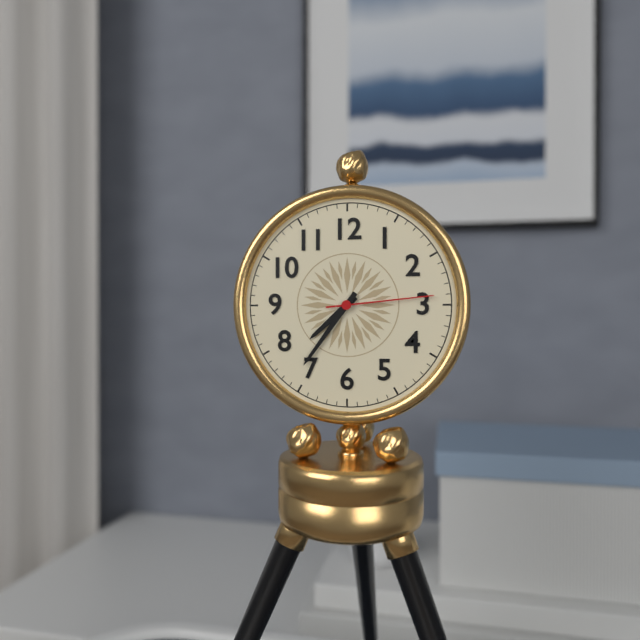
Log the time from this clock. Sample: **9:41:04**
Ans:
**7:36:14**
